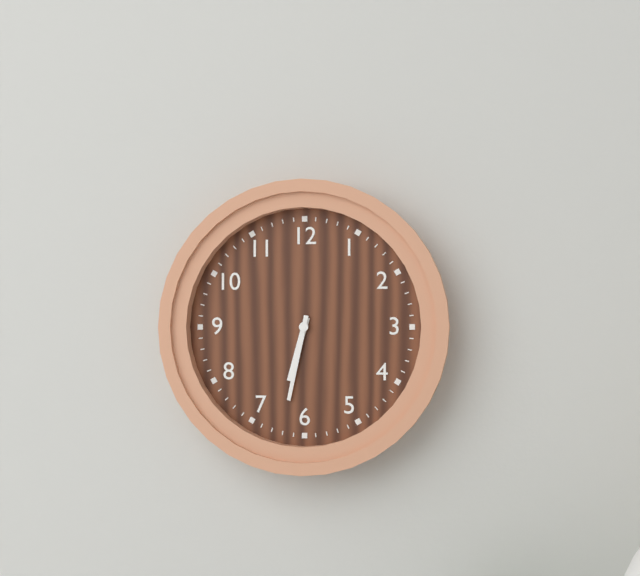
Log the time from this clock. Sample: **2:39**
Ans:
**6:32**
